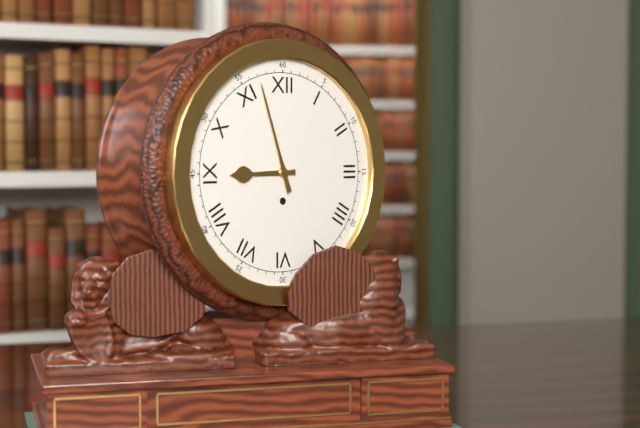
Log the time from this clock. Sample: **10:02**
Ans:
**8:57**
